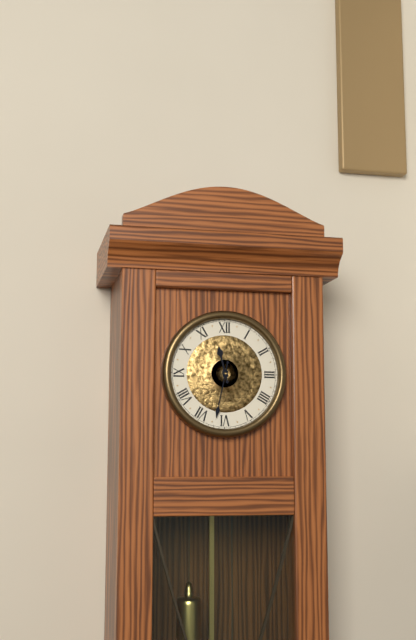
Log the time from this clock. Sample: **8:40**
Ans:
**11:32**
